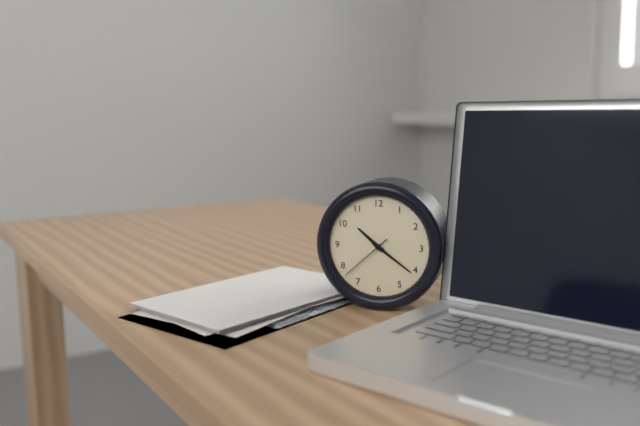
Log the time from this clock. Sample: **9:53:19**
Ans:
**10:21:38**
